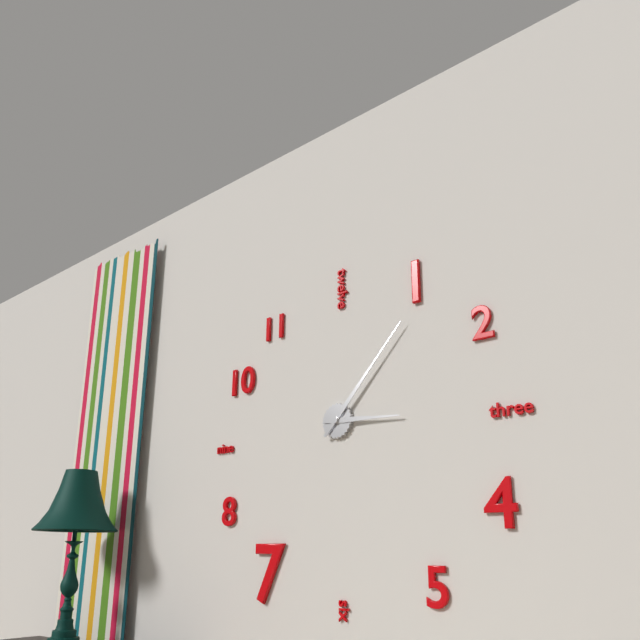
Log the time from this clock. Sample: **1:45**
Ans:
**3:07**
